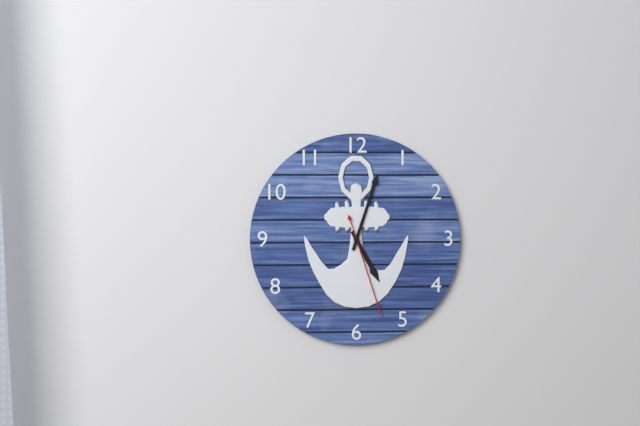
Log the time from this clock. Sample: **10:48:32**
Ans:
**5:03:27**
